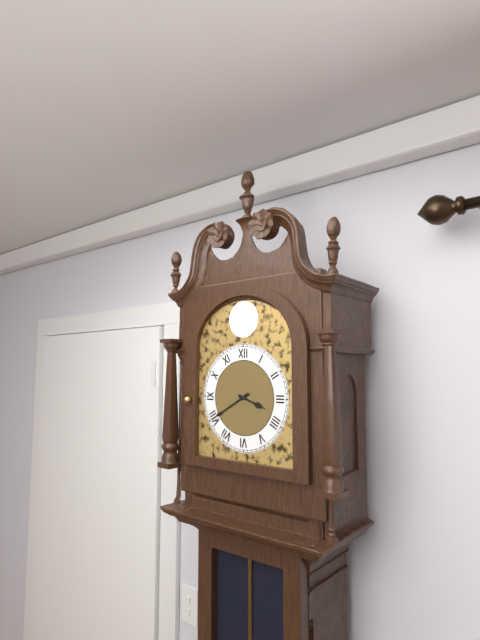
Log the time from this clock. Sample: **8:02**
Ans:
**3:40**
